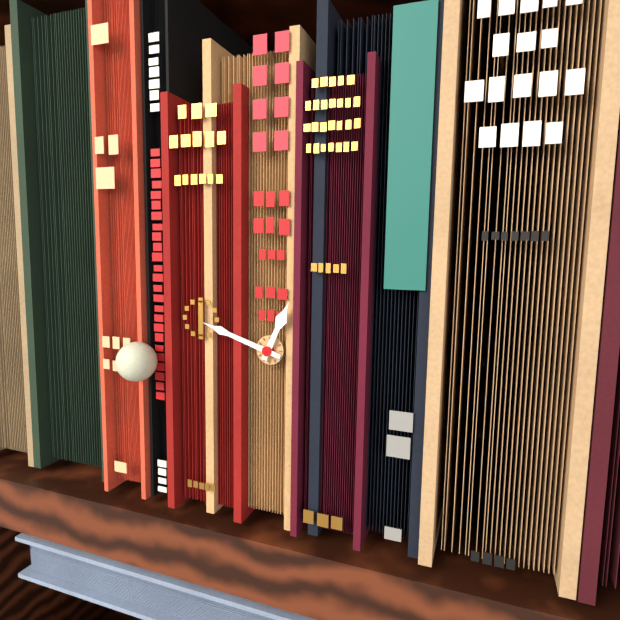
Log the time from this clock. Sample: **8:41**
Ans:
**12:48**
